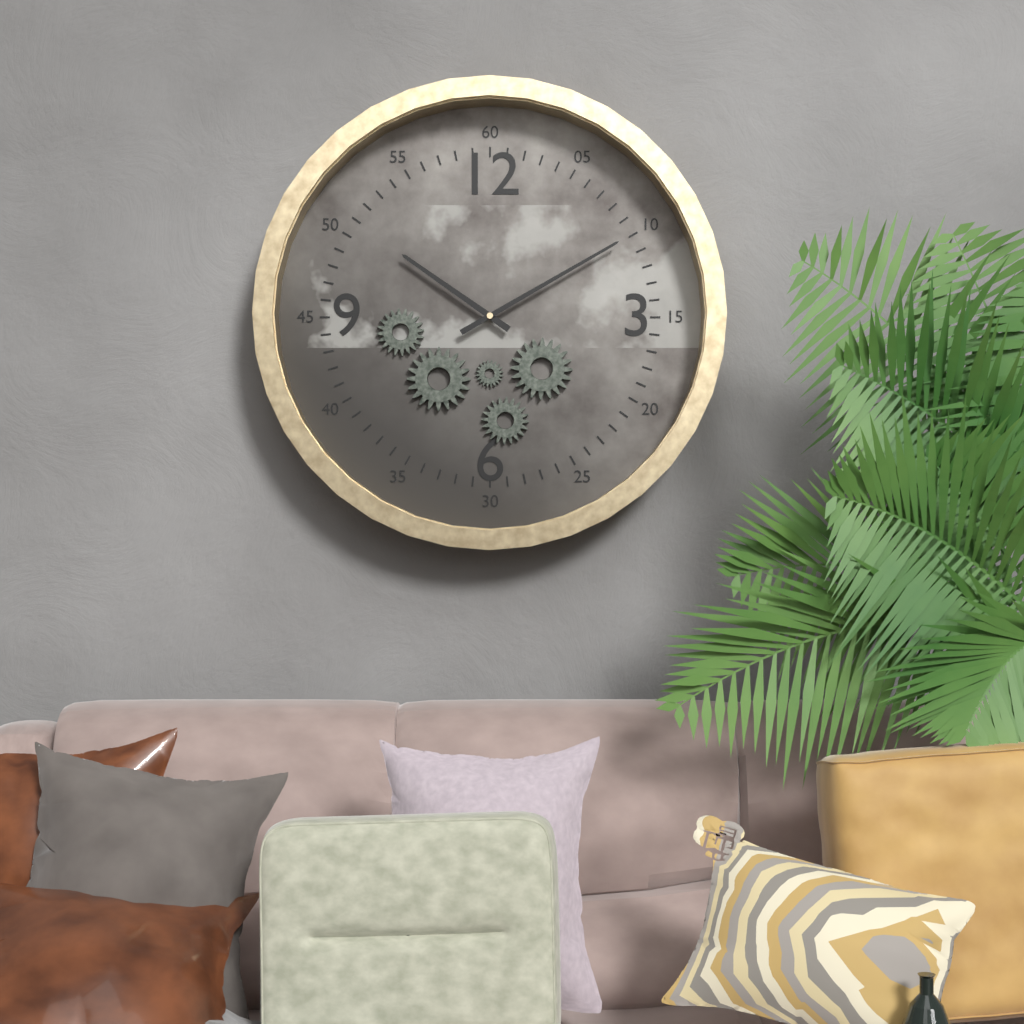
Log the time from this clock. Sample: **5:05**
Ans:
**10:10**
